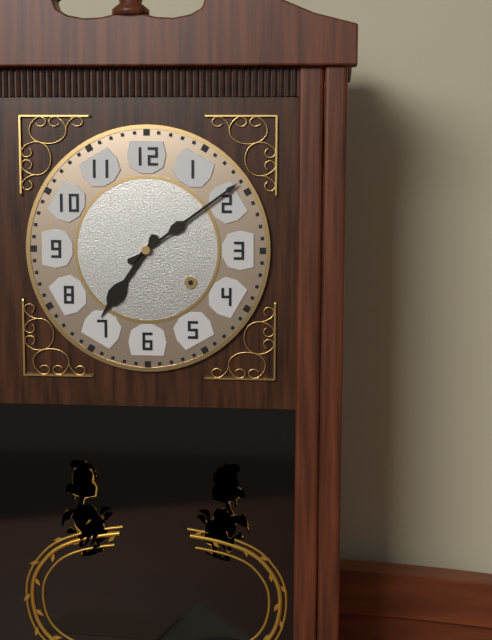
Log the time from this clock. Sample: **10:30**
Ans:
**7:09**
